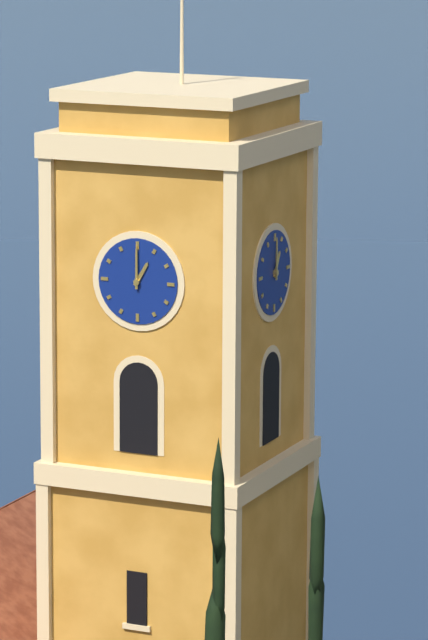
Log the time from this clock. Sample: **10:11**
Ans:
**1:00**
